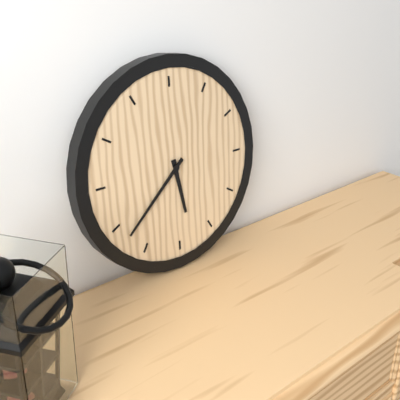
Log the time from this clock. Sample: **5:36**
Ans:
**5:38**
